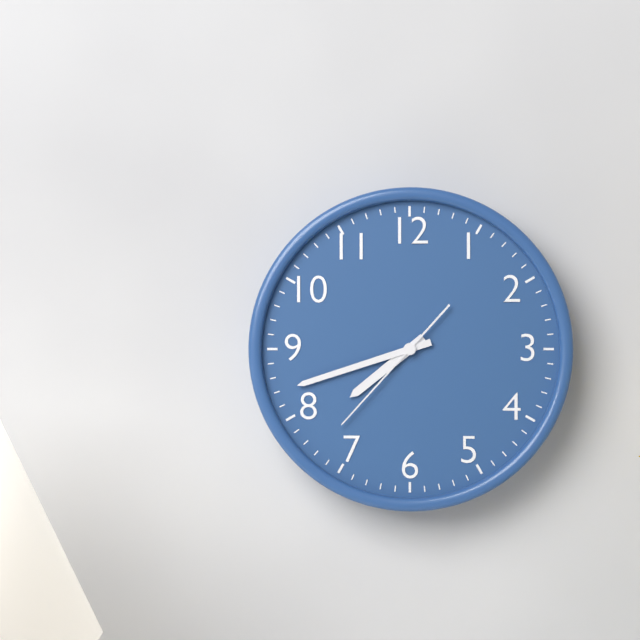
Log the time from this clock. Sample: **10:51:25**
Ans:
**7:42:37**
